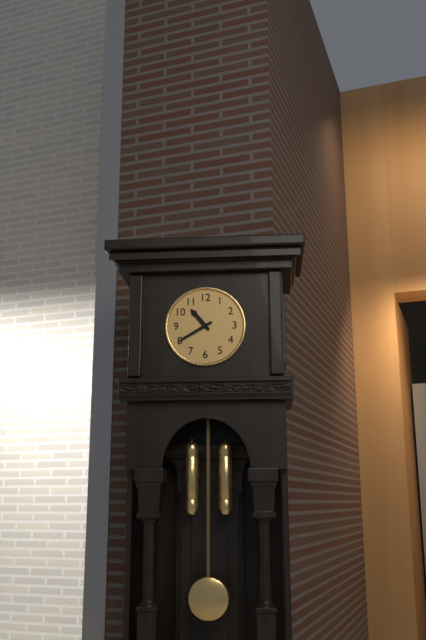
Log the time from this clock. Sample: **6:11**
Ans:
**10:40**
